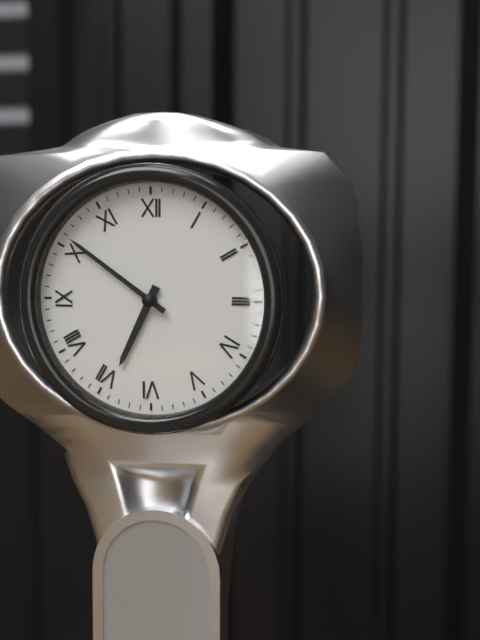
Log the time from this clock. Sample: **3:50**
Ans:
**6:51**
